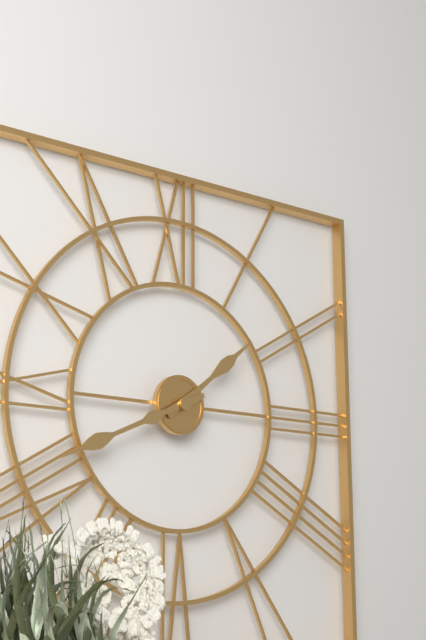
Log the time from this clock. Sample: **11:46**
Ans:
**1:41**
